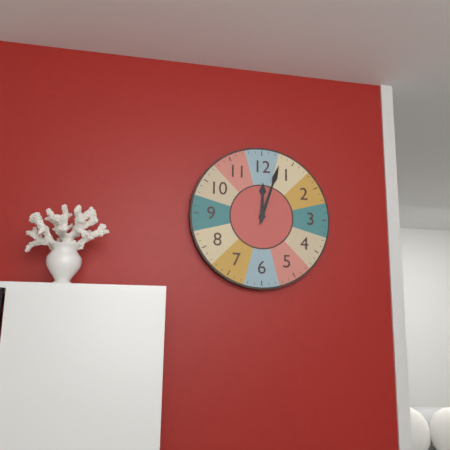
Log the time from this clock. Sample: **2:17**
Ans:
**12:03**
